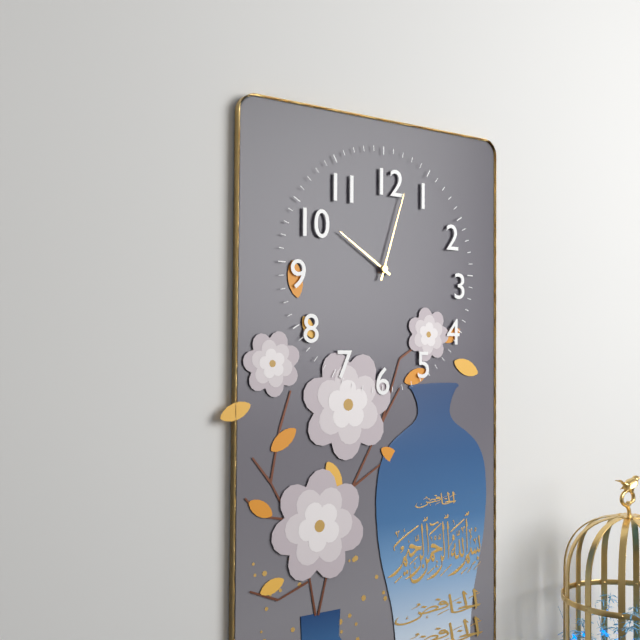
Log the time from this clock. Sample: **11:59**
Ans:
**10:03**
